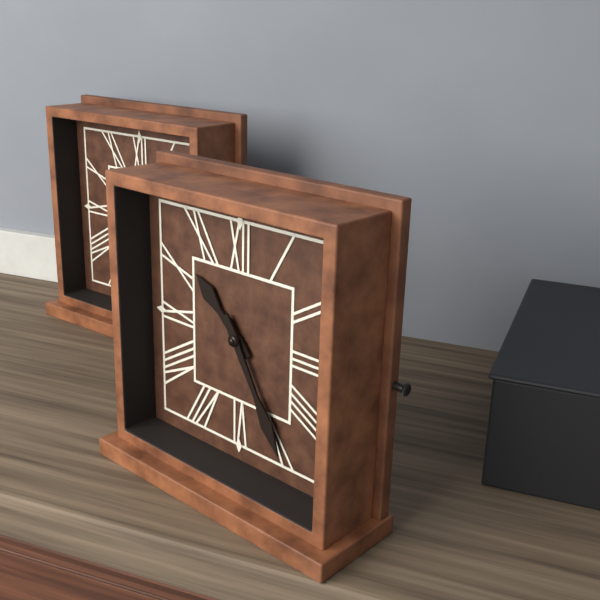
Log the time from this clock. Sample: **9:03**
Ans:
**10:25**
